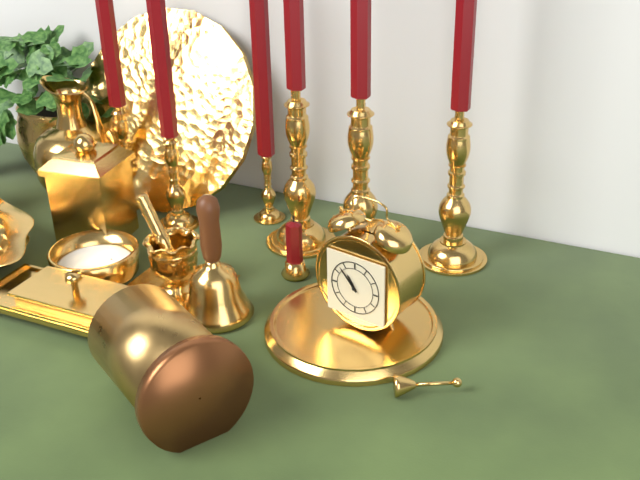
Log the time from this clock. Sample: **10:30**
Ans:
**10:53**
